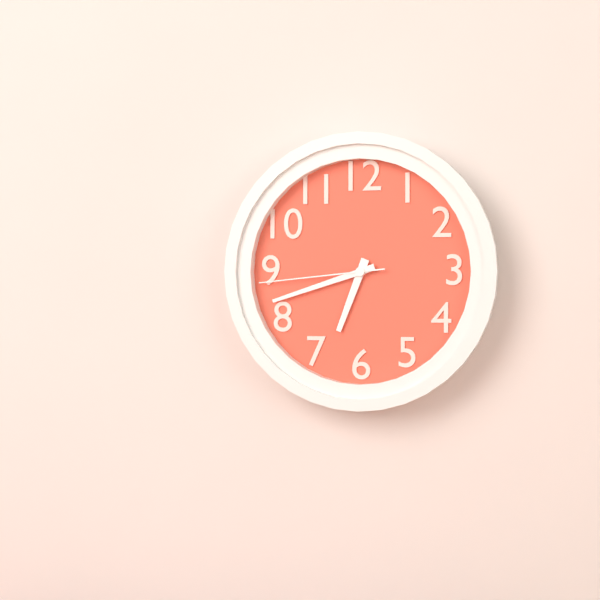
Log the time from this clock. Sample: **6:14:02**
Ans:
**6:42:44**
